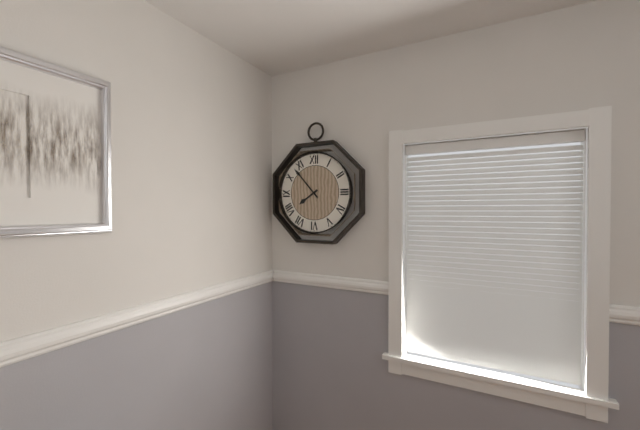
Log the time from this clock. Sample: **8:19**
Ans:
**7:53**
